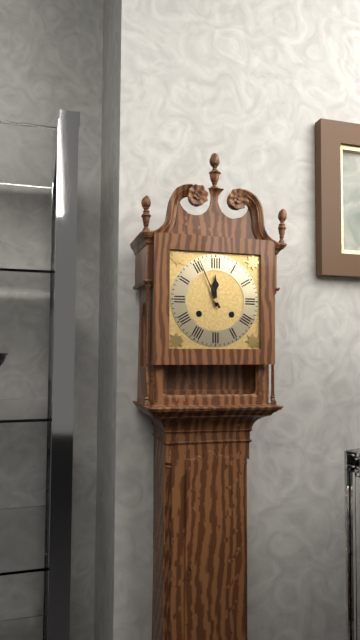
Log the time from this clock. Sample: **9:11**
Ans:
**11:56**
